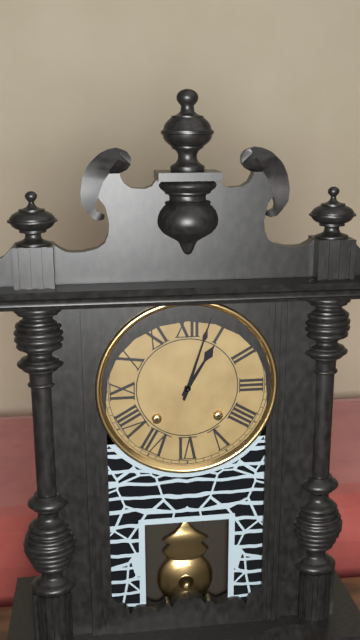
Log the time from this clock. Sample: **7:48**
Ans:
**1:03**
